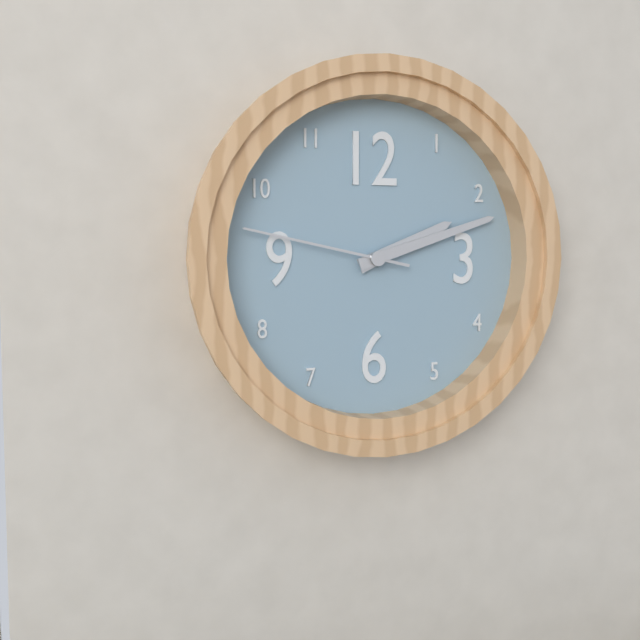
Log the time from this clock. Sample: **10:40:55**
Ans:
**2:12:47**
